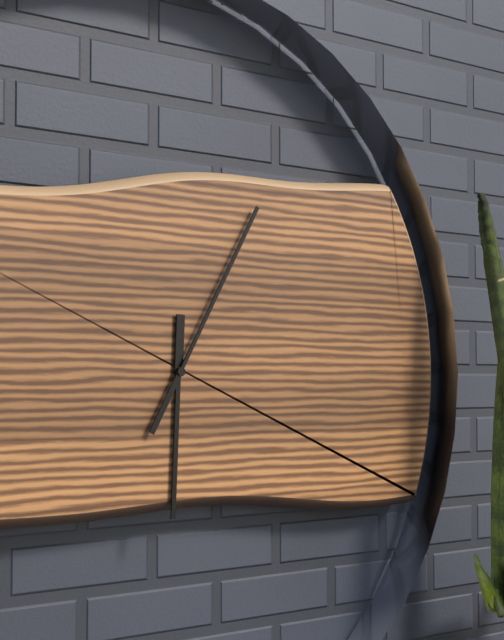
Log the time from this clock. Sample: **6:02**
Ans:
**6:05**
